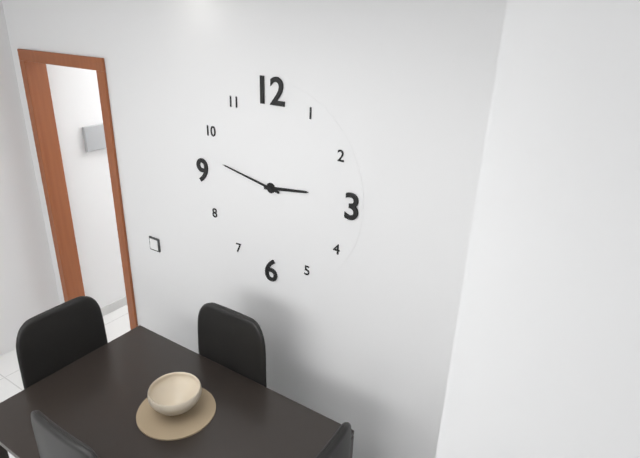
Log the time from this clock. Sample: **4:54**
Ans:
**2:47**
